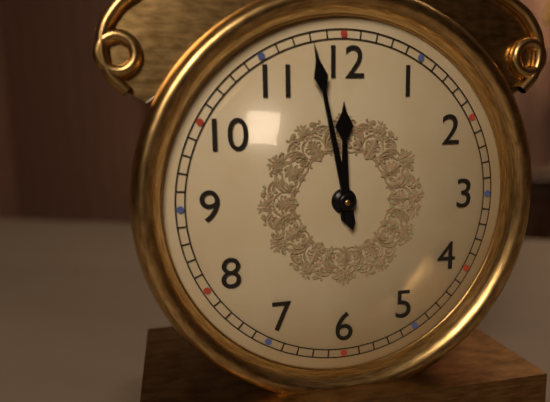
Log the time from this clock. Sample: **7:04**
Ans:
**11:58**
